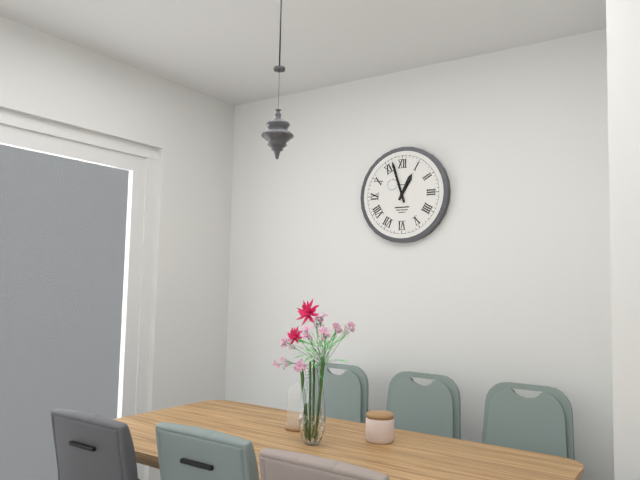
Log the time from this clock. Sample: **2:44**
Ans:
**12:57**
